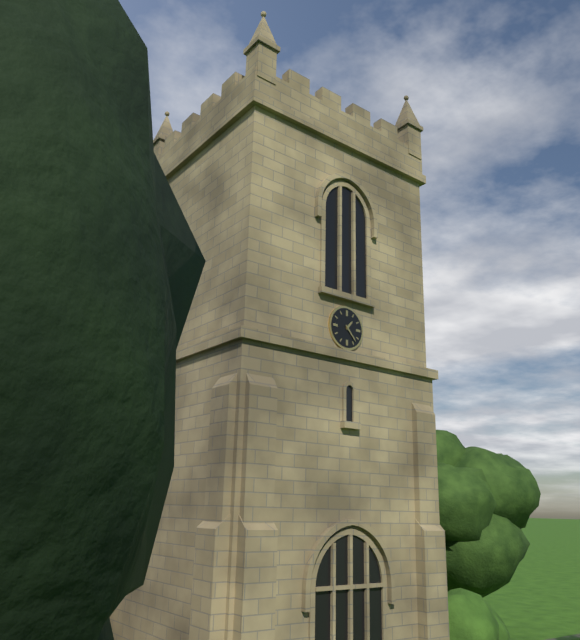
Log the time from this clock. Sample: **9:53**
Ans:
**1:23**
